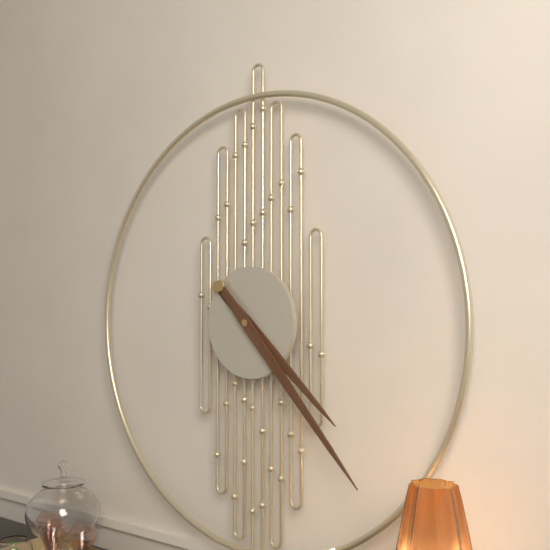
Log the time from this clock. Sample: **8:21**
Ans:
**4:23**
